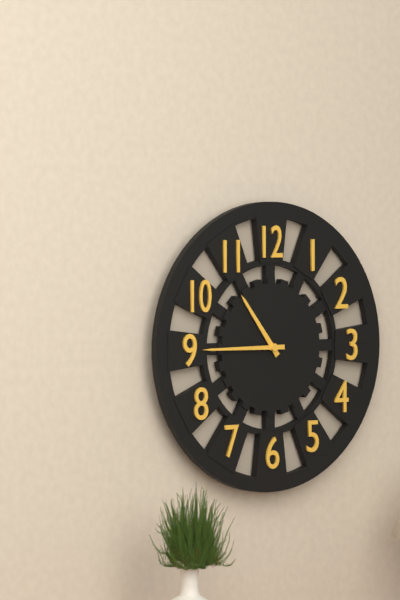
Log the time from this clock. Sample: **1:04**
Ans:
**10:45**
